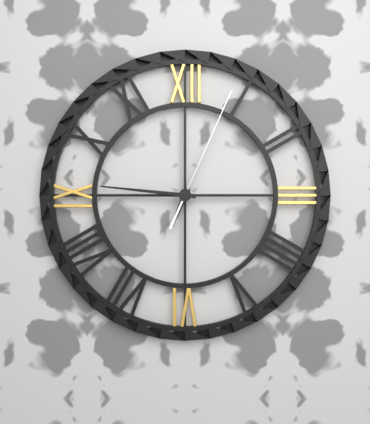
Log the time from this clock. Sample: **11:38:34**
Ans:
**6:46:04**
